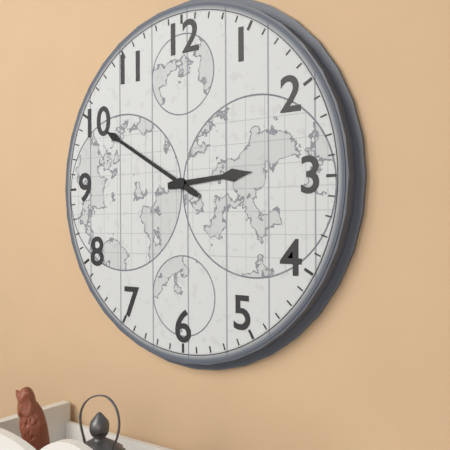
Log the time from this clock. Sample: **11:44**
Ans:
**2:50**
